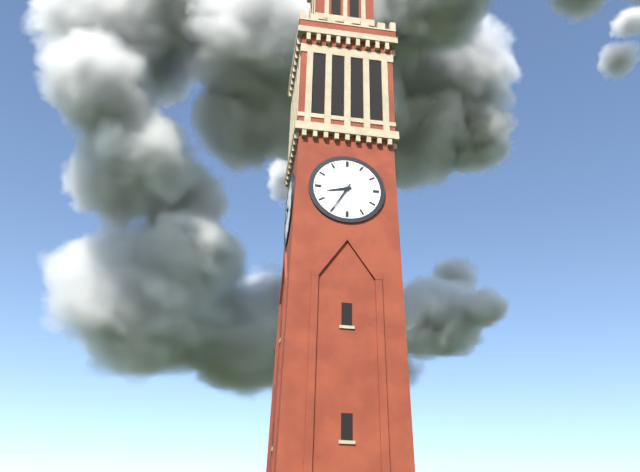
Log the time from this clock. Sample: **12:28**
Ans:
**8:35**
